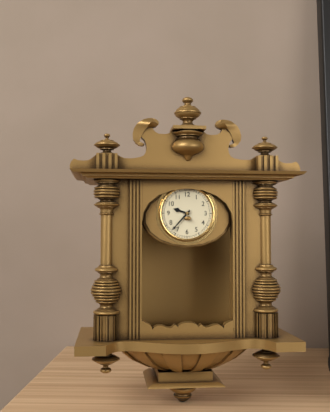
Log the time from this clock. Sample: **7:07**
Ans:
**9:37**
